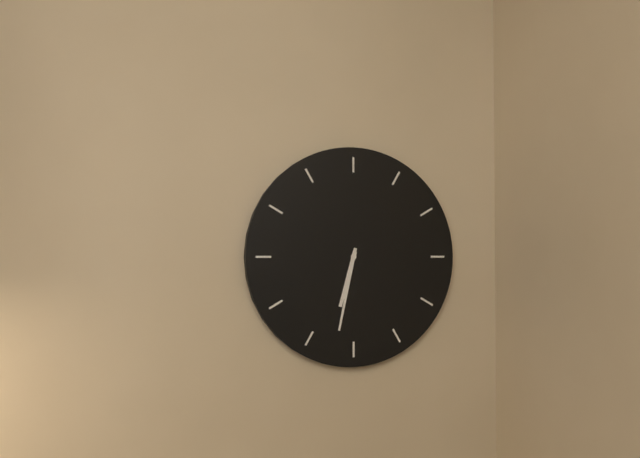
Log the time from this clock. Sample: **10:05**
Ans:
**6:32**
